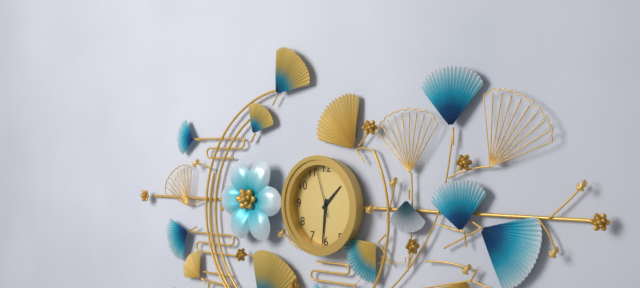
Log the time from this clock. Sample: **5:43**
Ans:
**1:31**
